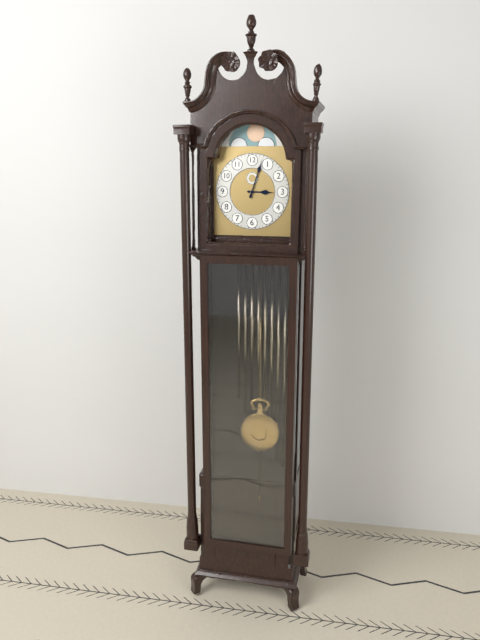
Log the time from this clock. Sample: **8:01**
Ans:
**3:03**
